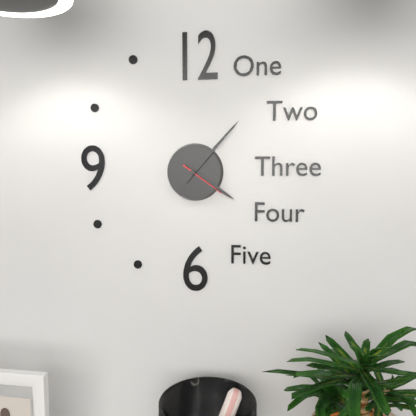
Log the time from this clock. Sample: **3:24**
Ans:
**4:07**
